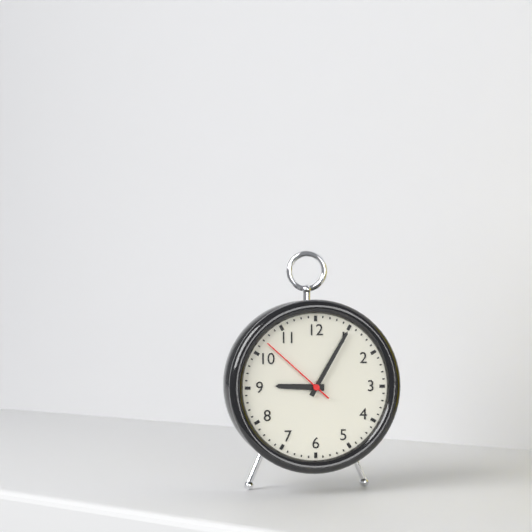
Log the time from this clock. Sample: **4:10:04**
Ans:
**9:05:52**
